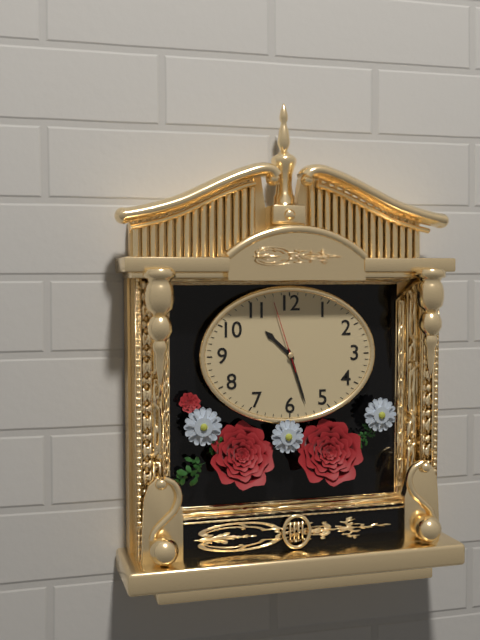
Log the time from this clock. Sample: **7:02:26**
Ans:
**10:27:57**
